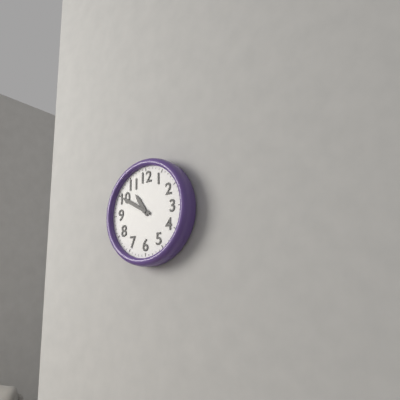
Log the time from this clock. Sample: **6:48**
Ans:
**10:50**
